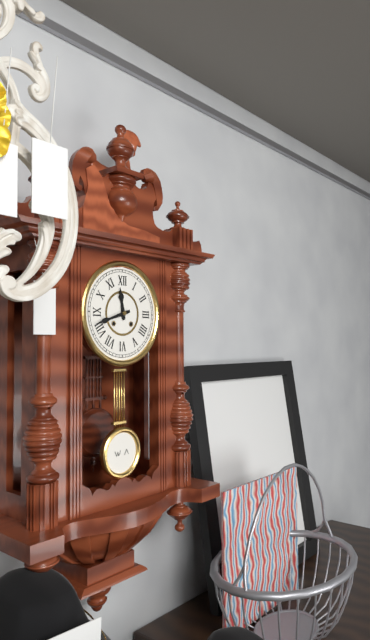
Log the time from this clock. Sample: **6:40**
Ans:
**11:42**
